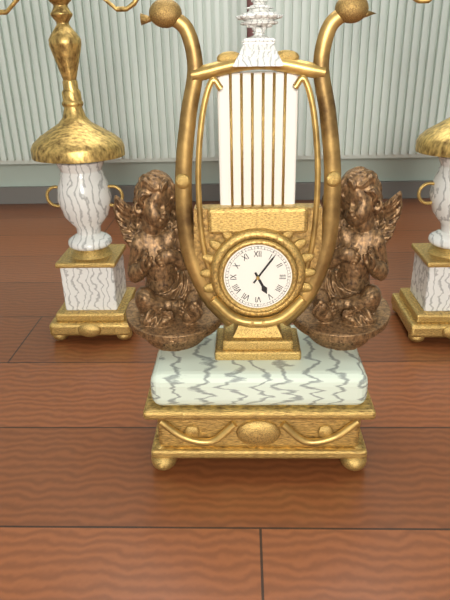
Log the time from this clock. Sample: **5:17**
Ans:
**5:06**
